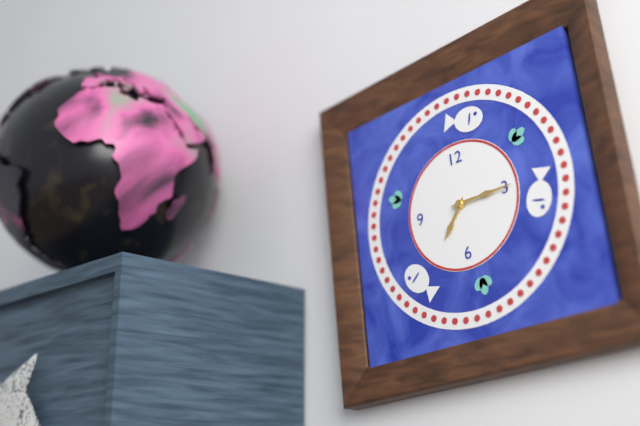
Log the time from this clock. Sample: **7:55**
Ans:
**7:15**
